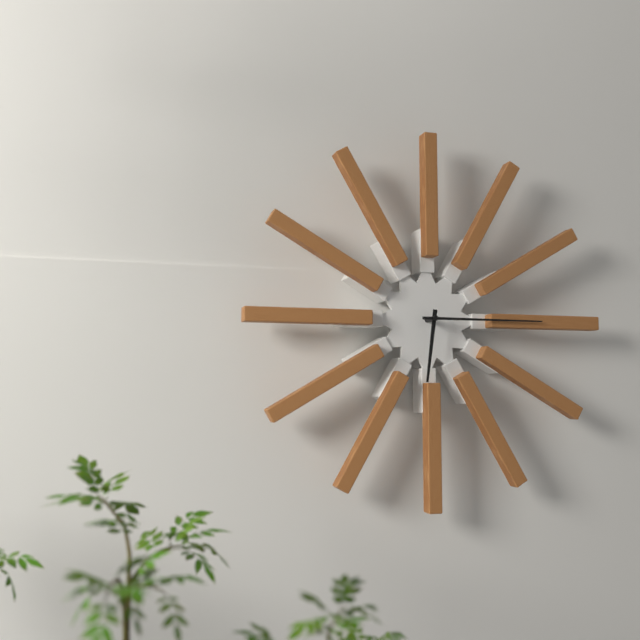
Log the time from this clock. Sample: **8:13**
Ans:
**6:15**
